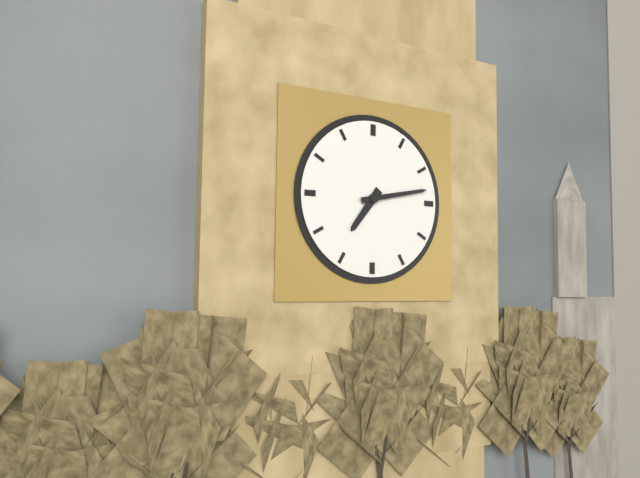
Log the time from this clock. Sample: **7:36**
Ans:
**7:13**
